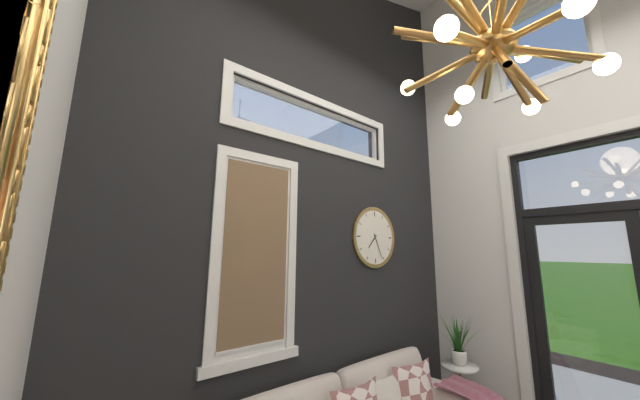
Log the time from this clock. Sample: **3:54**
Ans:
**7:26**
